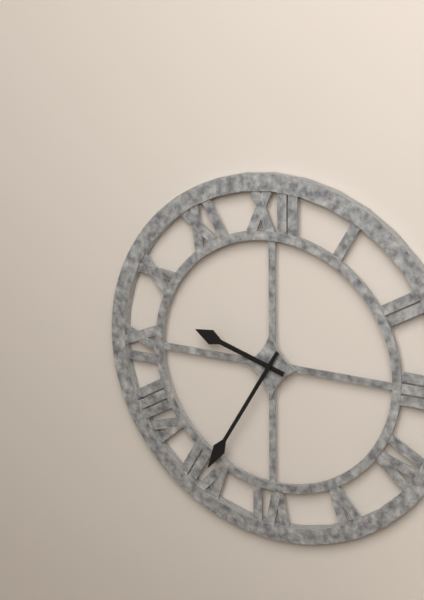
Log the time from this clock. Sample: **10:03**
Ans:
**9:35**
